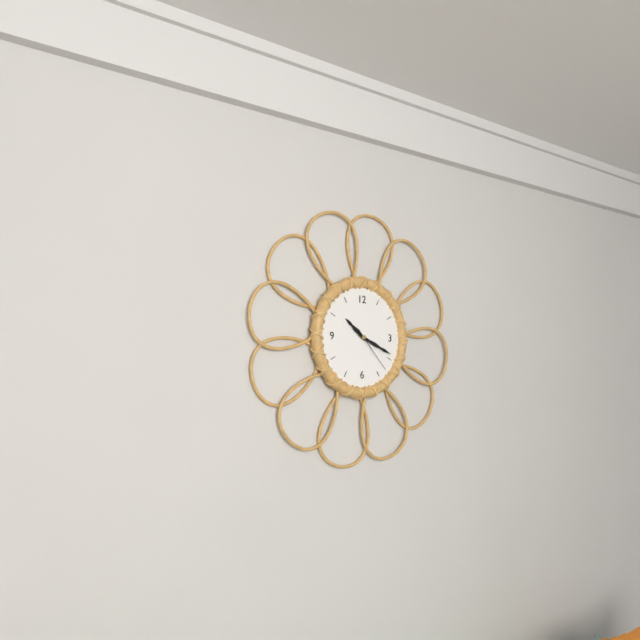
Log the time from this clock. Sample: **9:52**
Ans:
**10:19**
